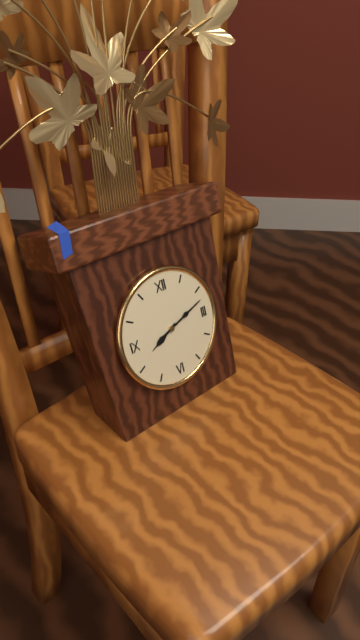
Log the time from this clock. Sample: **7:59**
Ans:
**8:12**
